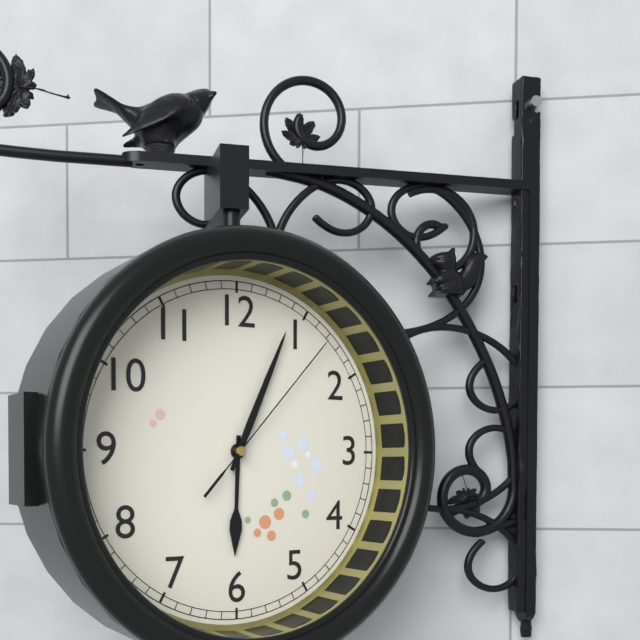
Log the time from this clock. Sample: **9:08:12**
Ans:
**6:04:07**
